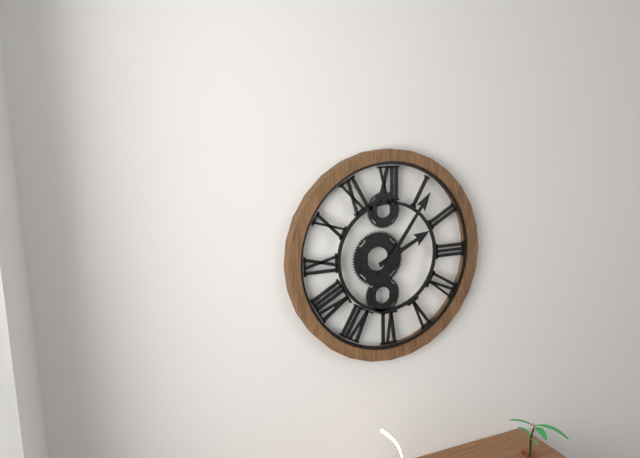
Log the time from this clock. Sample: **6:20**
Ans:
**2:06**
